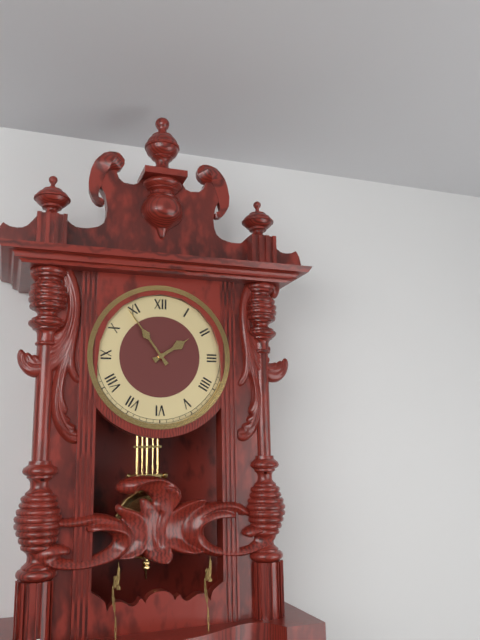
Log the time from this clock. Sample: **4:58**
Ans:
**1:54**
